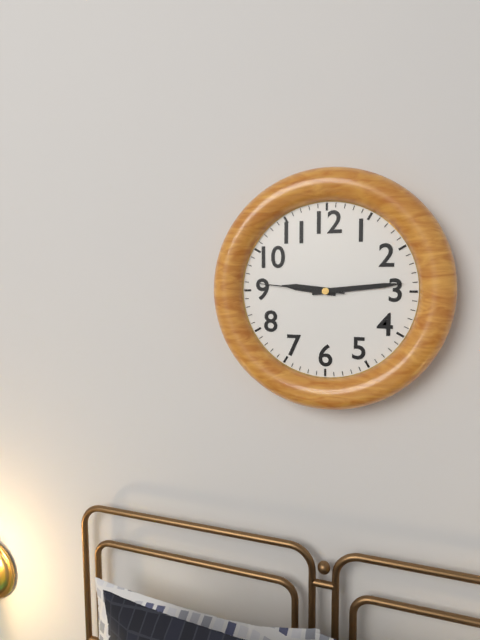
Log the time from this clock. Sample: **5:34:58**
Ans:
**9:14:46**
